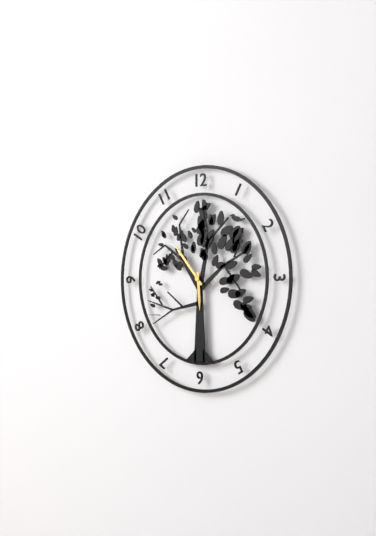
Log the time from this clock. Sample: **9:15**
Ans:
**5:53**
